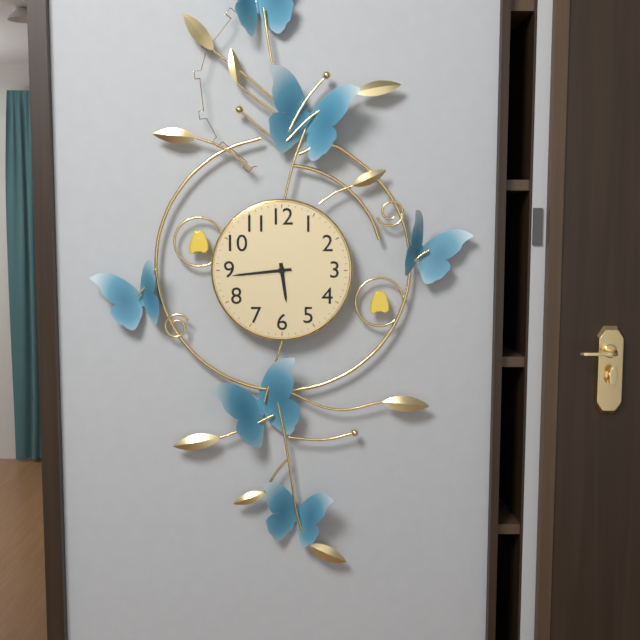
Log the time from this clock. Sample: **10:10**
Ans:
**5:44**
